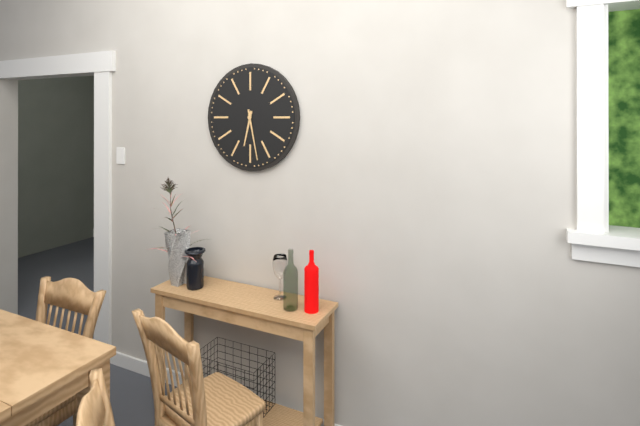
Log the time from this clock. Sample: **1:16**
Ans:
**6:28**
